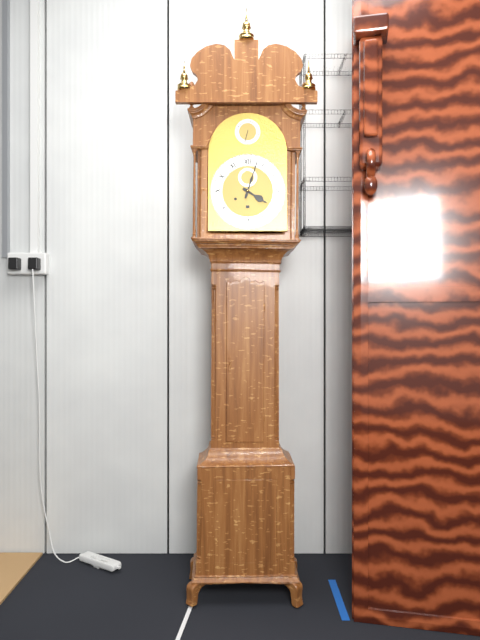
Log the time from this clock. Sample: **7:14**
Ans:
**4:03**
